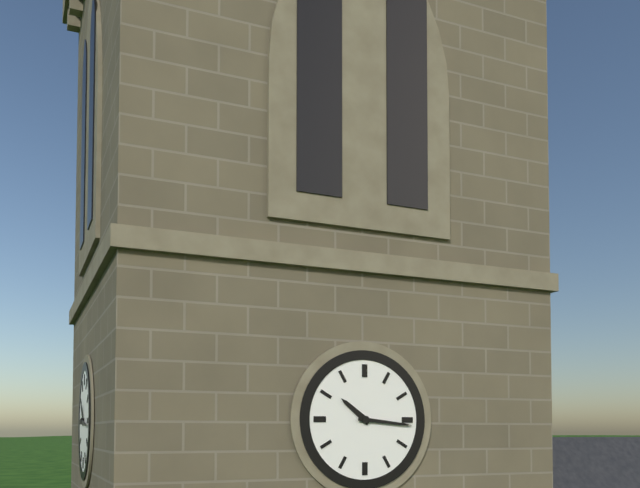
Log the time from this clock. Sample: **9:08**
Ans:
**10:16**
